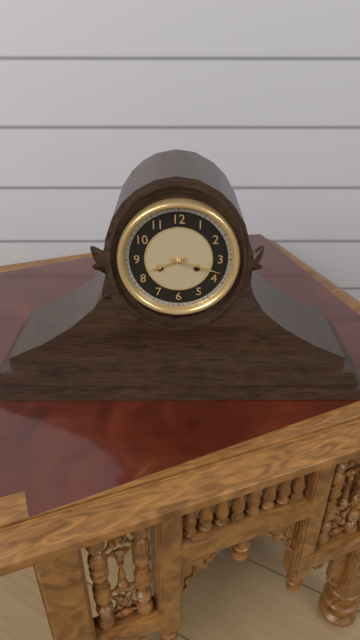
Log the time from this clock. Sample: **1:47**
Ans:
**8:18**
